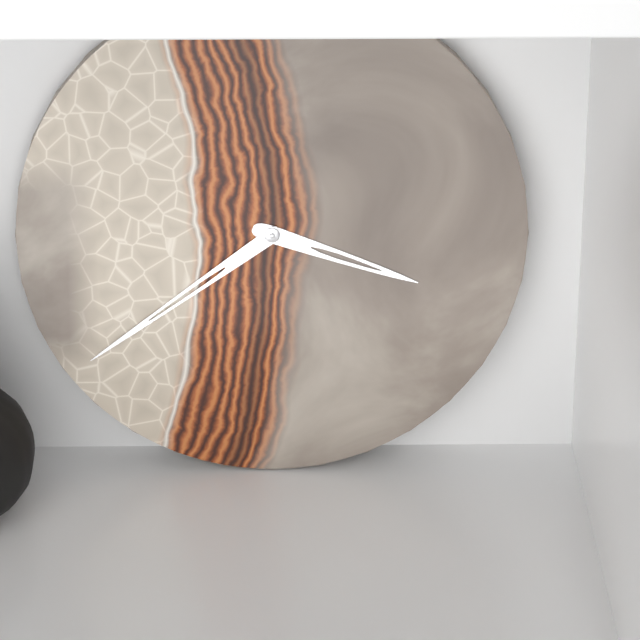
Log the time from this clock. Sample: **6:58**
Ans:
**3:39**
